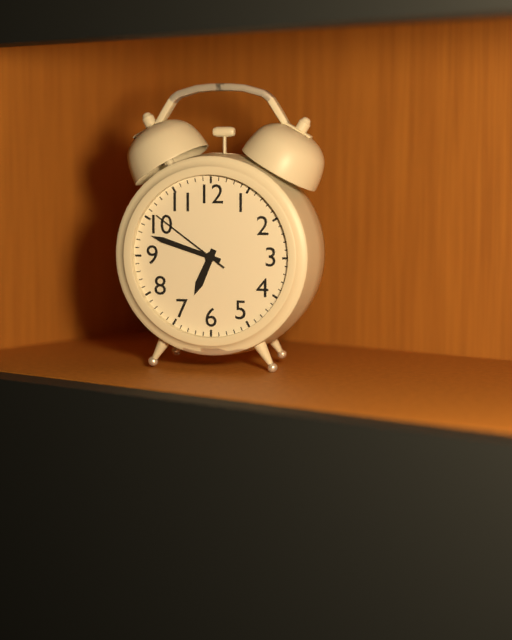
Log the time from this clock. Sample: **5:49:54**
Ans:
**6:48:51**
